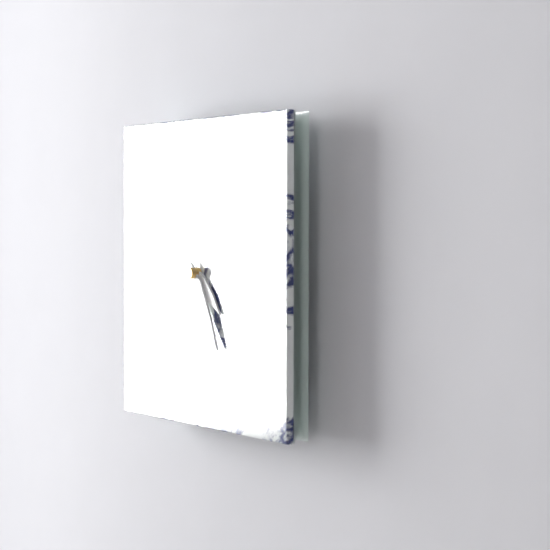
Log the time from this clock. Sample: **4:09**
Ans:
**4:25**
